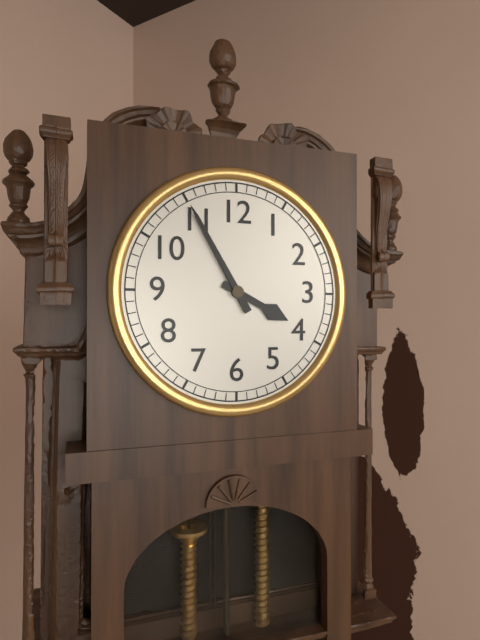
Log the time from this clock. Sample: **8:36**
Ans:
**3:55**
